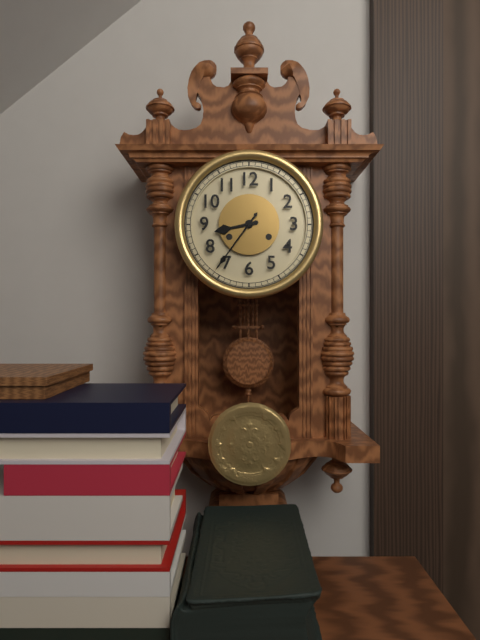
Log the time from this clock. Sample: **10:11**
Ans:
**8:36**
